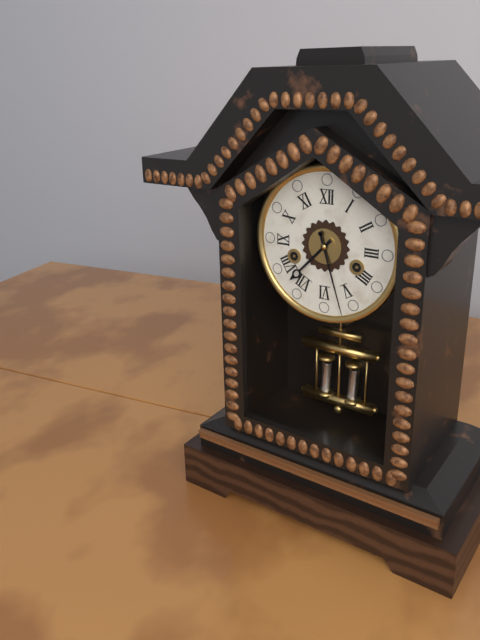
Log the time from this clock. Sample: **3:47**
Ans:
**7:27**
